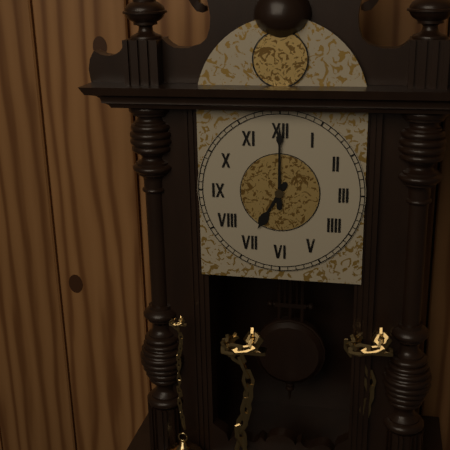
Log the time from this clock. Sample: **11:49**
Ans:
**7:00**
